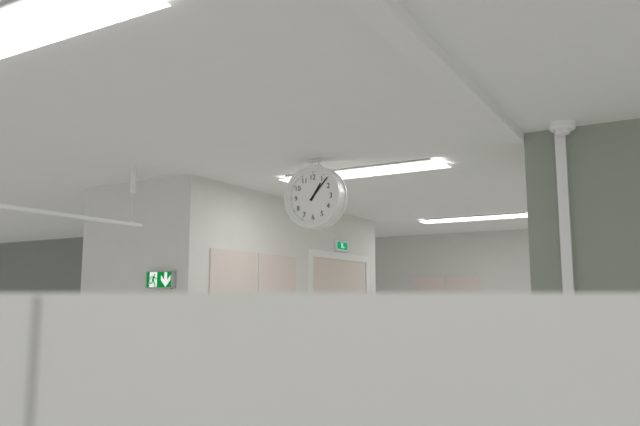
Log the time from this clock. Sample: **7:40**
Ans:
**1:07**
